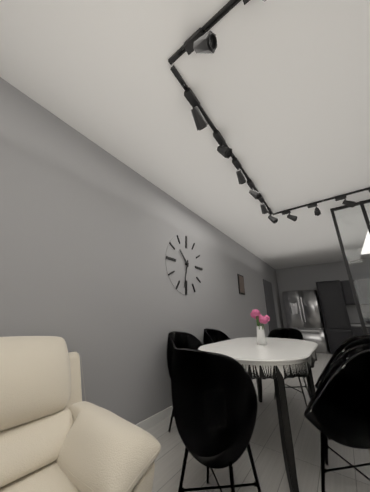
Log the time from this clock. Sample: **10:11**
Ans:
**10:32**
